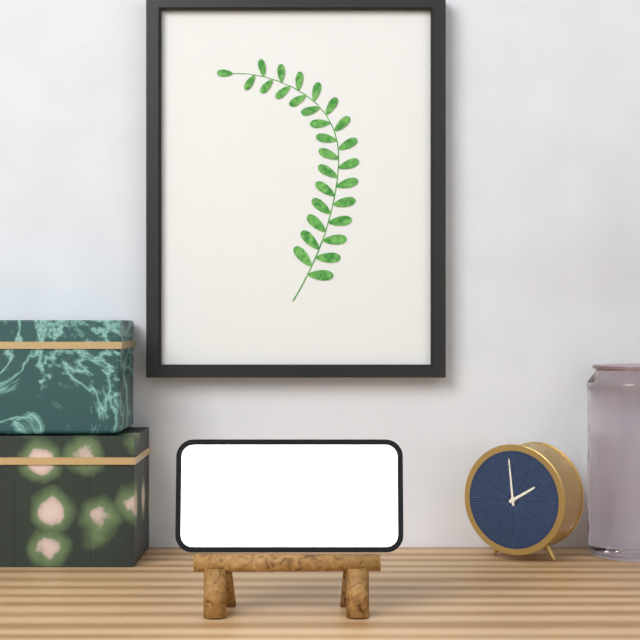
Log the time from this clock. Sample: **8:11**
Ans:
**1:59**
